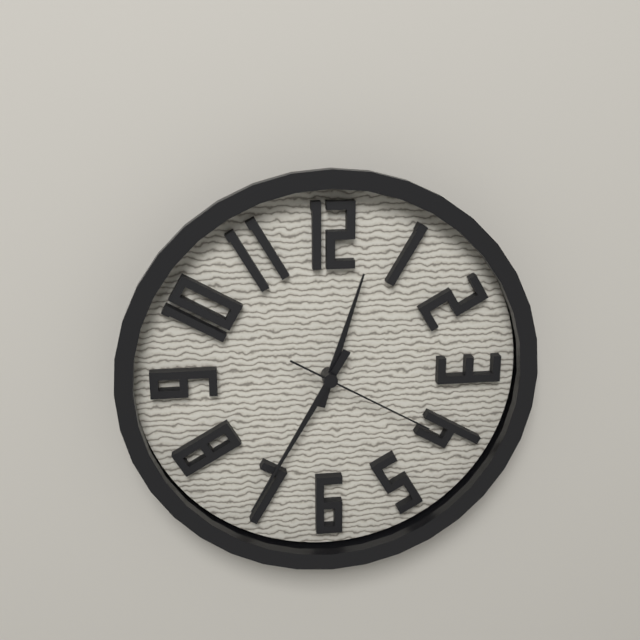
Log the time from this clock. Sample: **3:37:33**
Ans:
**12:35:20**
